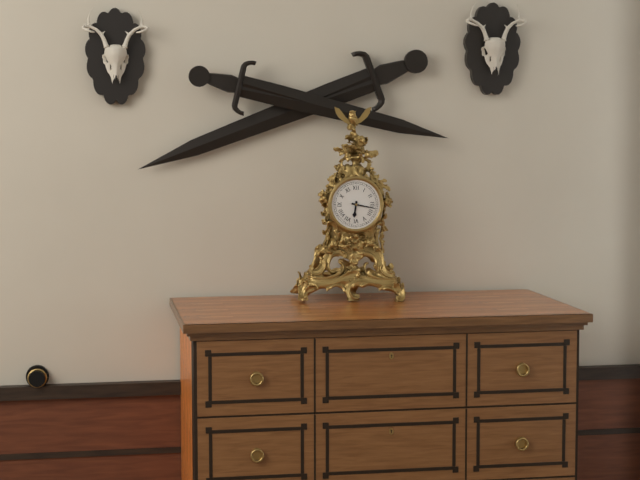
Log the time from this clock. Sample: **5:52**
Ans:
**6:17**
